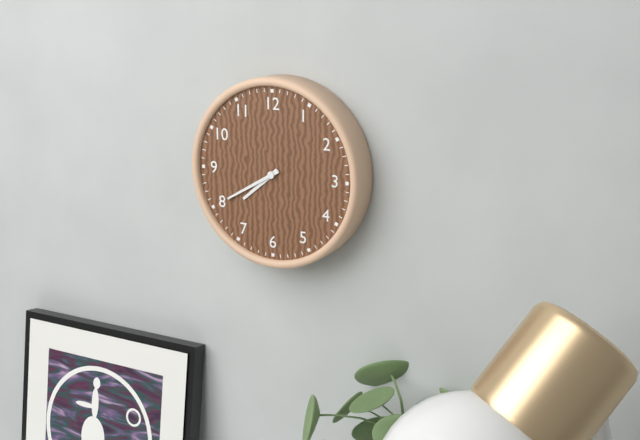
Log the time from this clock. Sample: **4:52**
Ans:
**7:40**
